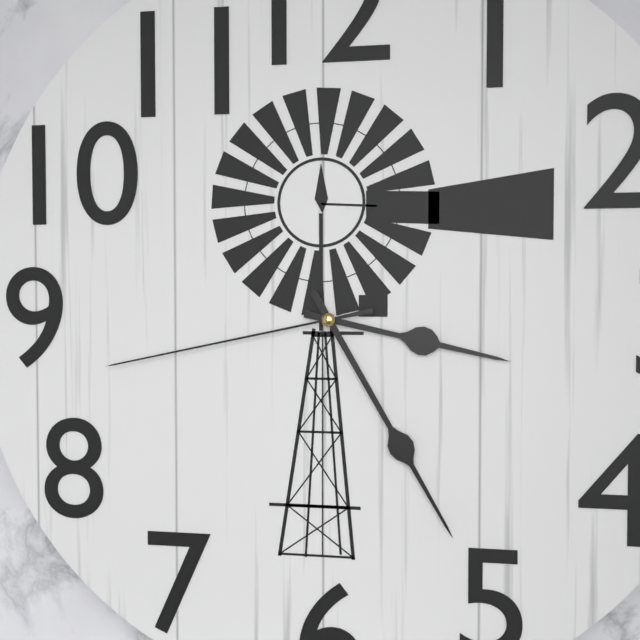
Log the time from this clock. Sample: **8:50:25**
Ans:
**3:25:43**
